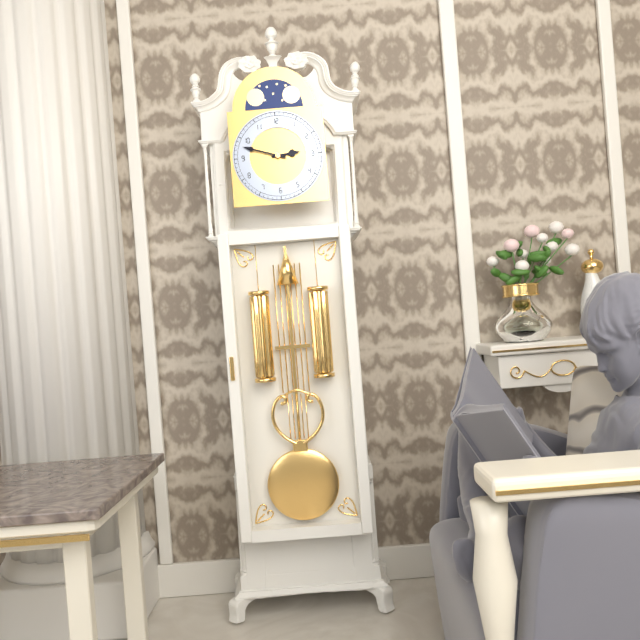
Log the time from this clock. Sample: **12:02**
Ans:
**2:48**
